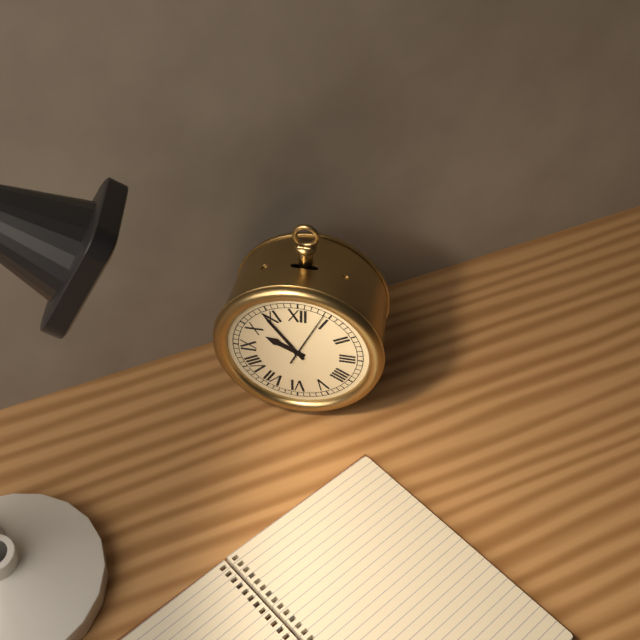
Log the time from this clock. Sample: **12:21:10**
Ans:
**9:54:04**
